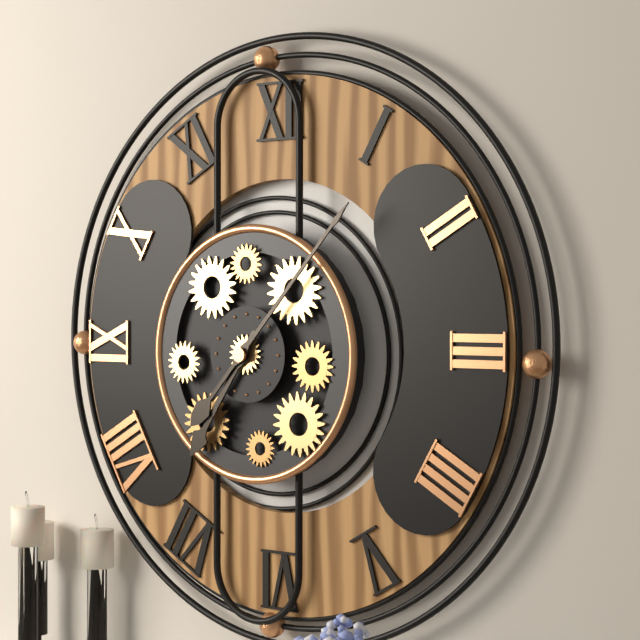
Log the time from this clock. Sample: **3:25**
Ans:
**7:07**
